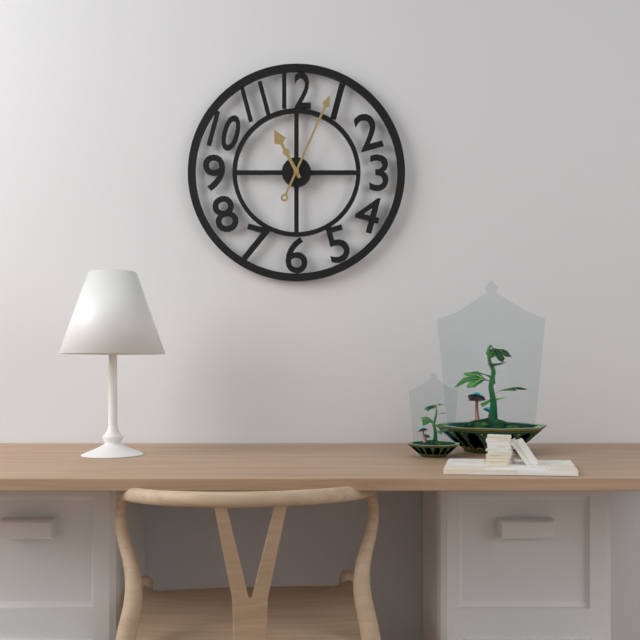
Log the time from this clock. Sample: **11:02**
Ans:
**11:04**
